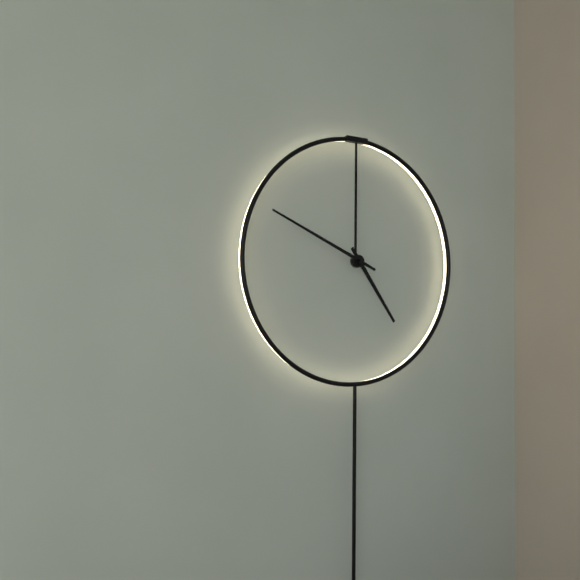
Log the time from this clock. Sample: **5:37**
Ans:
**4:49**
